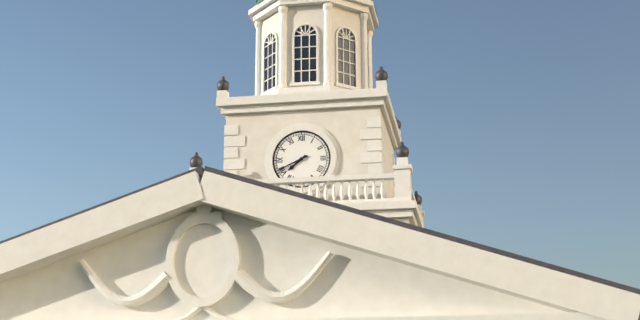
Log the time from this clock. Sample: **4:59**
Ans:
**7:41**
